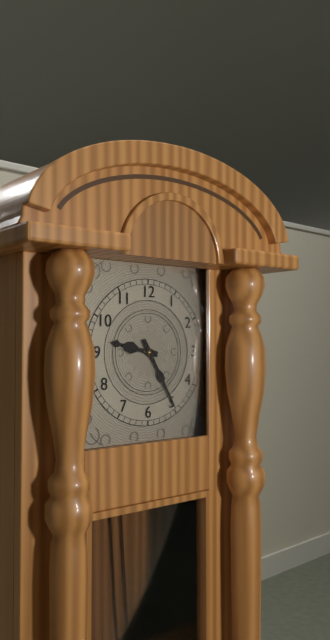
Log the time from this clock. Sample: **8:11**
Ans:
**9:25**
